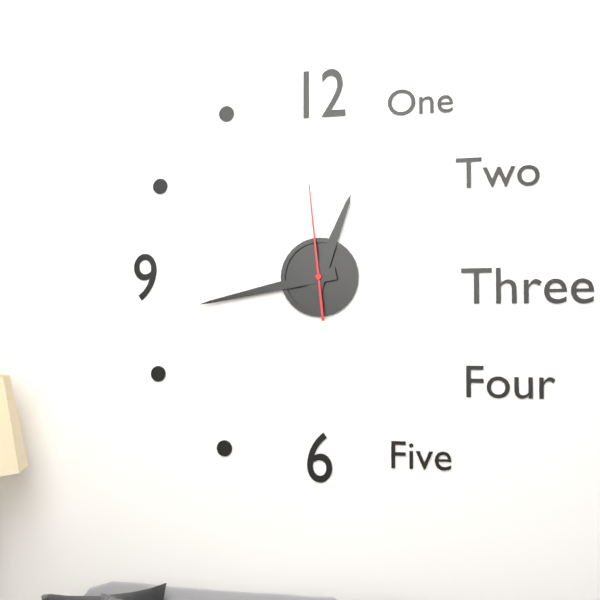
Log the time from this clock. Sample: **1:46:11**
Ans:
**12:43:59**
